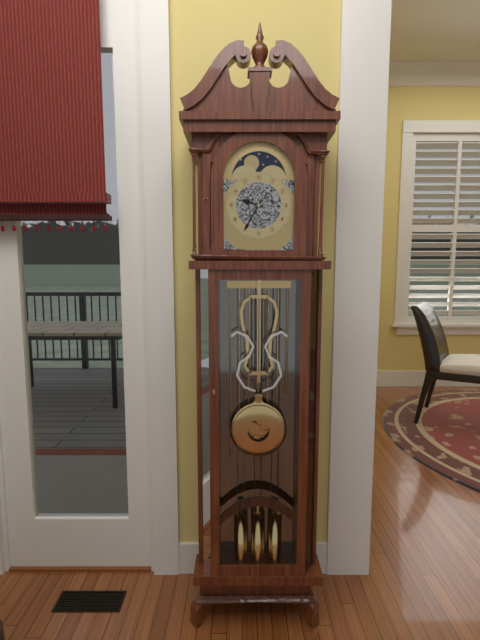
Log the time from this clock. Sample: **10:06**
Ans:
**9:35**
